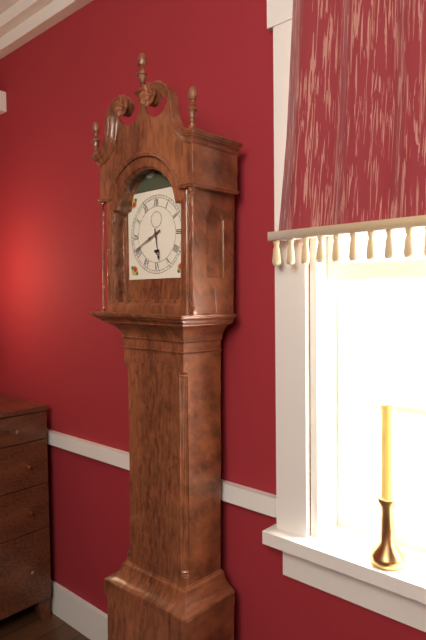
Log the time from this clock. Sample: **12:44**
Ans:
**5:41**
